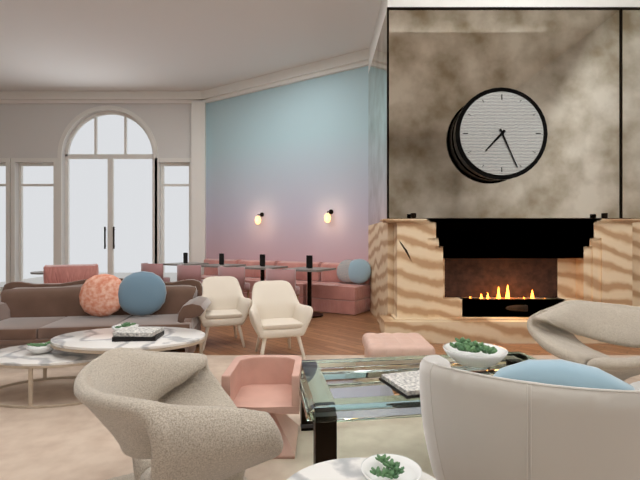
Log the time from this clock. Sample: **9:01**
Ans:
**7:26**
